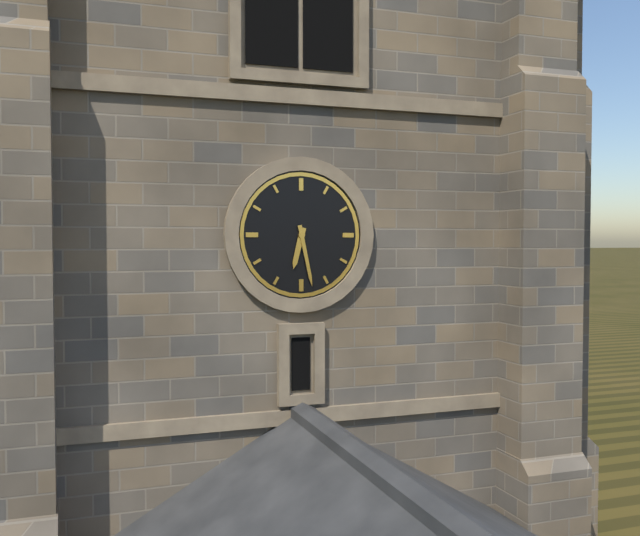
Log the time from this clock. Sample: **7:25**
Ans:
**6:28**
